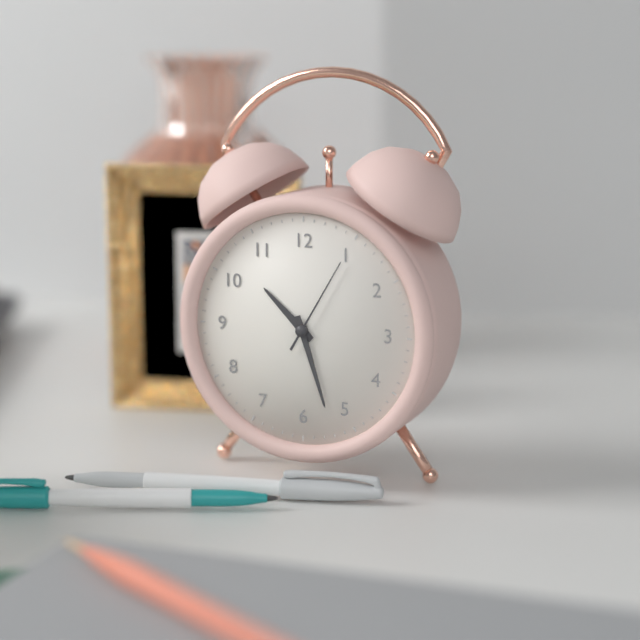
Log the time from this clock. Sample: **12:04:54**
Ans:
**10:27:05**
